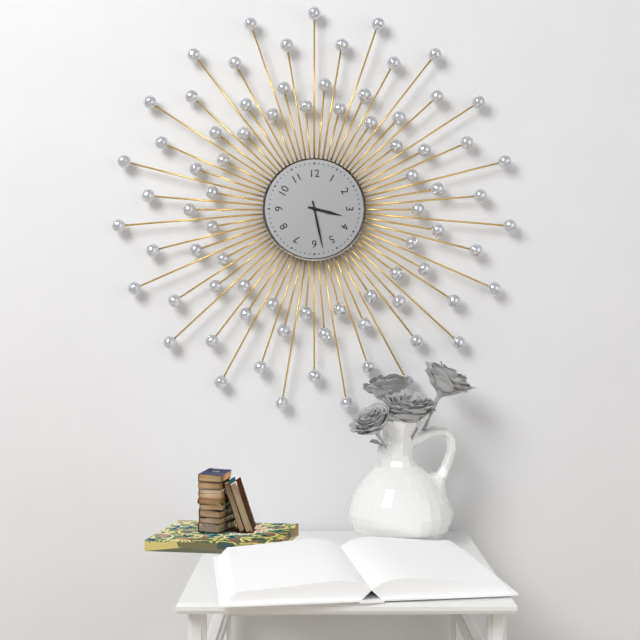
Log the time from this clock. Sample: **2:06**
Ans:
**3:28**
